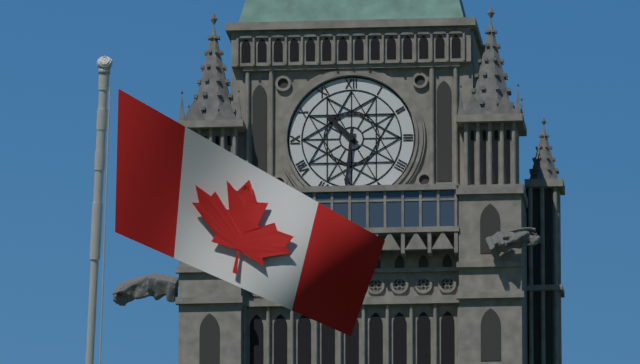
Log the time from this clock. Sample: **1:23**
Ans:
**10:31**
